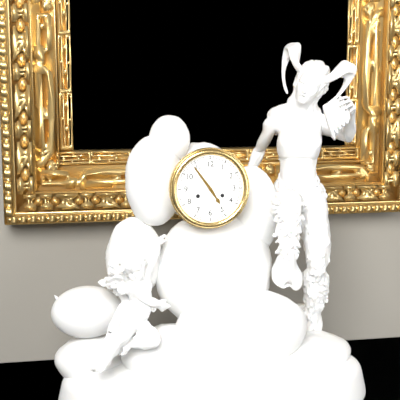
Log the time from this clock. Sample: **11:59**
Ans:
**4:54**
